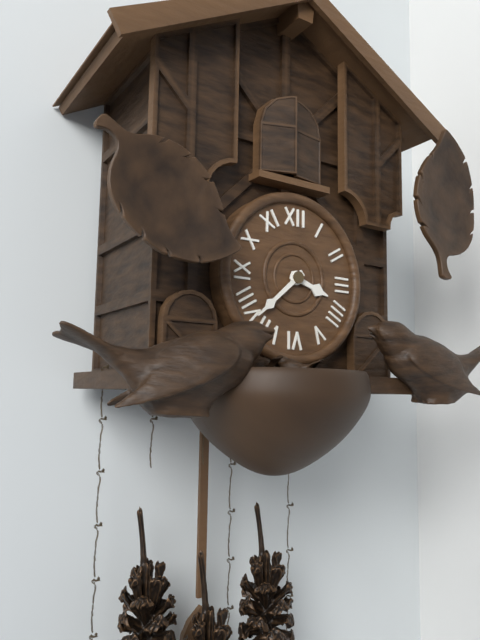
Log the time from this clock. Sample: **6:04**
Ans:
**3:38**
